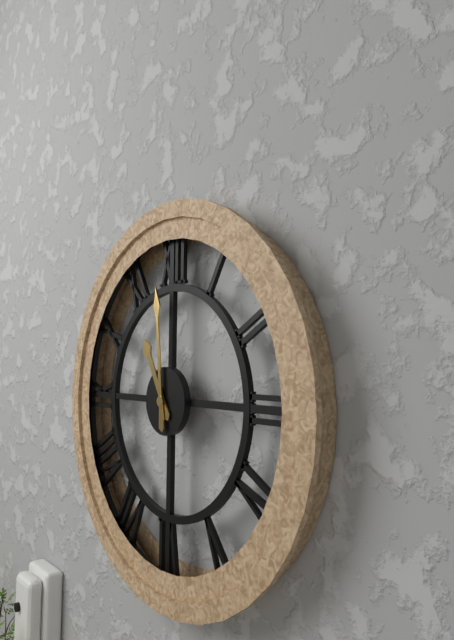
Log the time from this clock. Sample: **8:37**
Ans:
**10:59**
